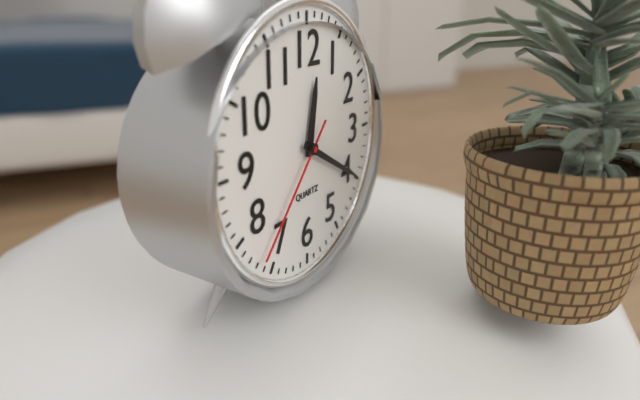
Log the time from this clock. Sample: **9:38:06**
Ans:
**12:20:37**
